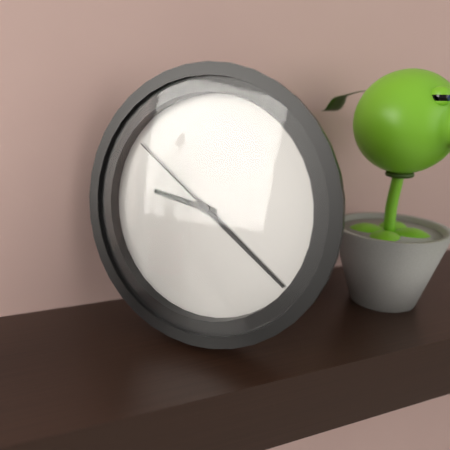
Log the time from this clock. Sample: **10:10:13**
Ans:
**9:21:51**
